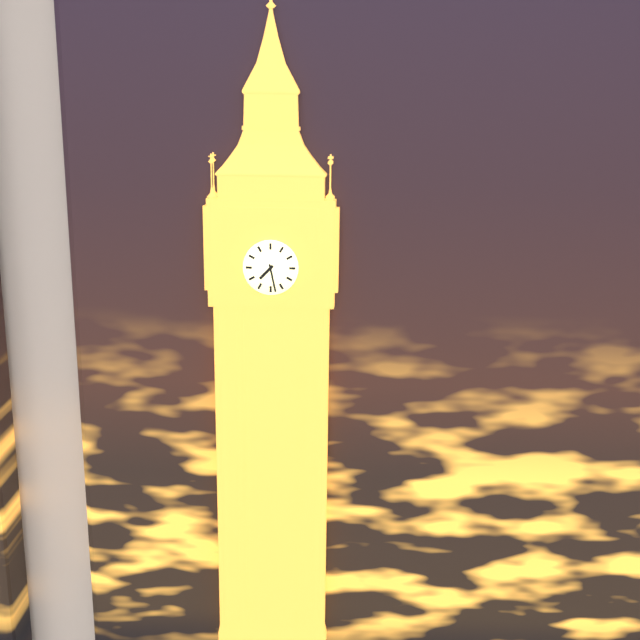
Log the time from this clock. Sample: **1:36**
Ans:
**7:28**
